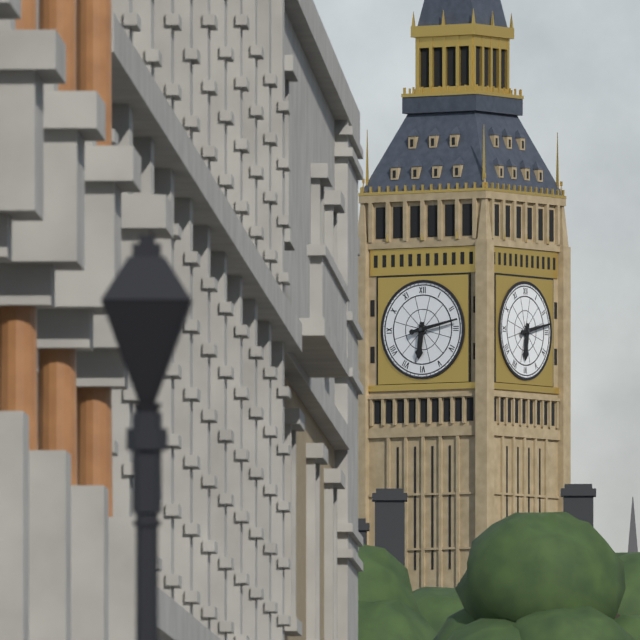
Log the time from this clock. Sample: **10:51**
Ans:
**6:13**
